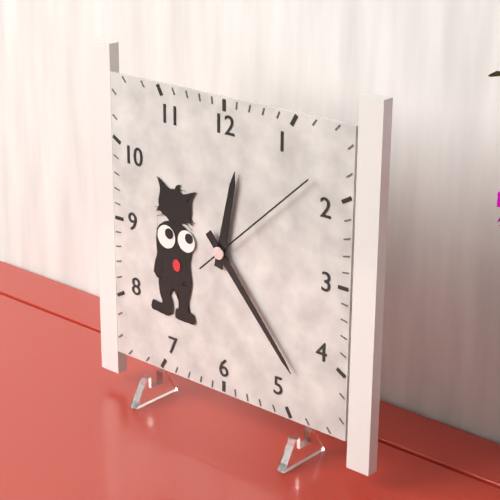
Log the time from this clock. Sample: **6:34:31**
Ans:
**12:23:08**
